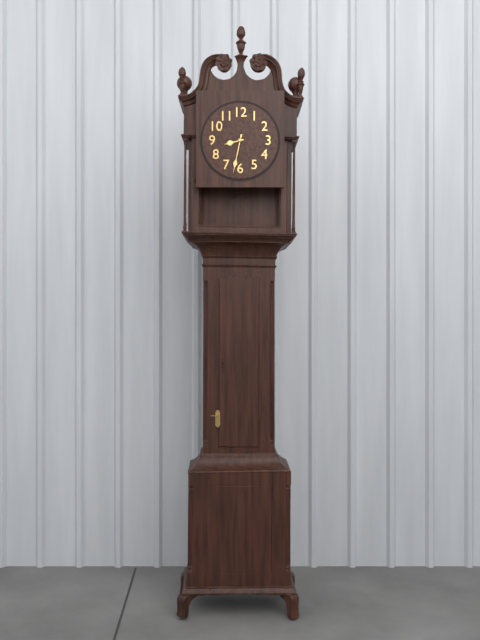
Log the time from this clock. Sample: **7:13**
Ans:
**8:32**
